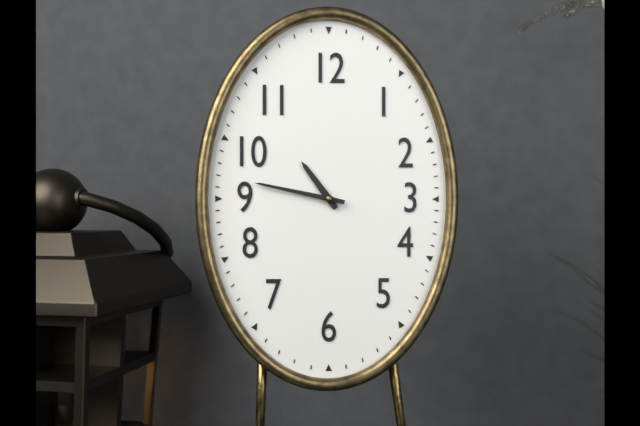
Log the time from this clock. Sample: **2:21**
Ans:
**10:47**
